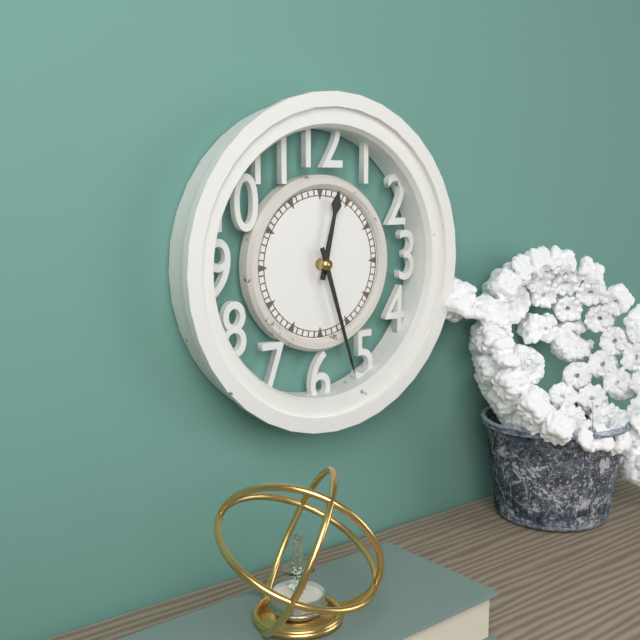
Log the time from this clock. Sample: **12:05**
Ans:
**12:27**
